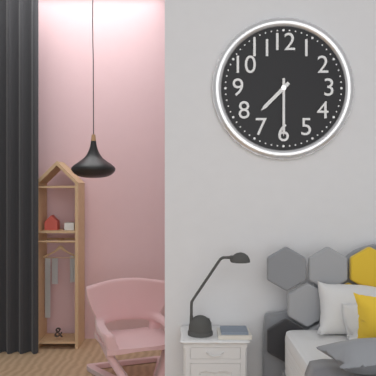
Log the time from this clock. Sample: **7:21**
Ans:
**7:30**
